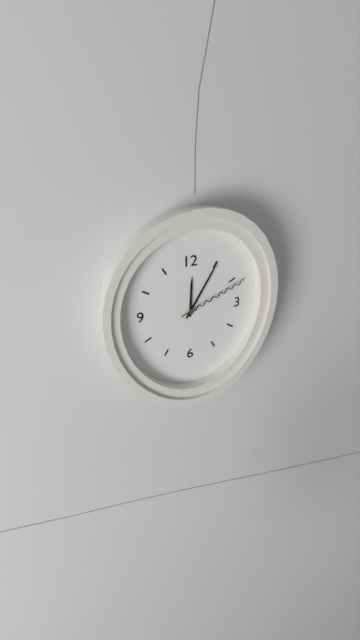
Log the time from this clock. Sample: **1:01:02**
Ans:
**12:05:11**
